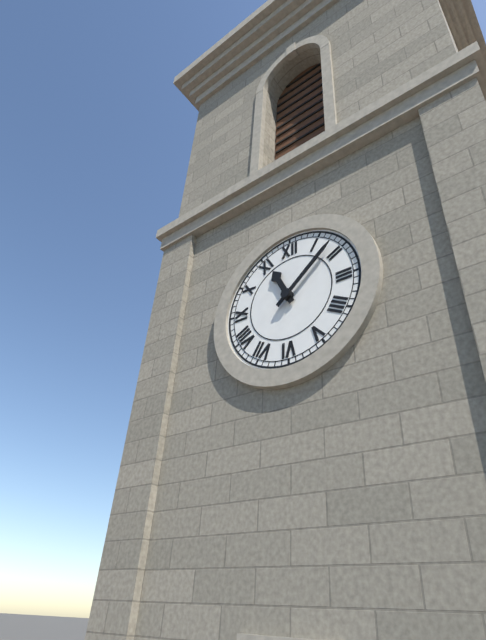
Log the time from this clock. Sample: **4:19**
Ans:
**11:08**
